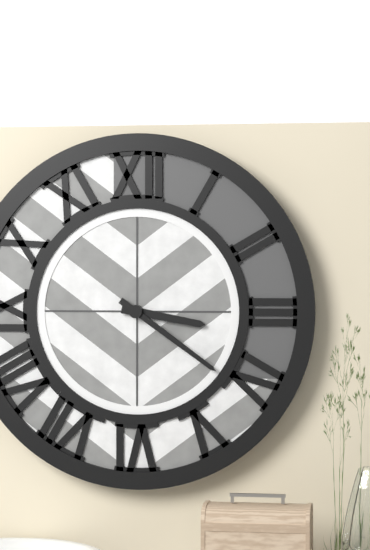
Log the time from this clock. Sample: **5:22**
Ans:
**3:21**
